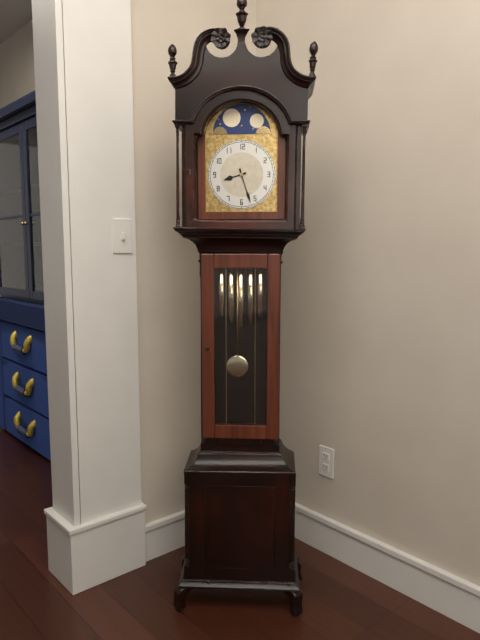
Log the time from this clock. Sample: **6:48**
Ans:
**8:27**
